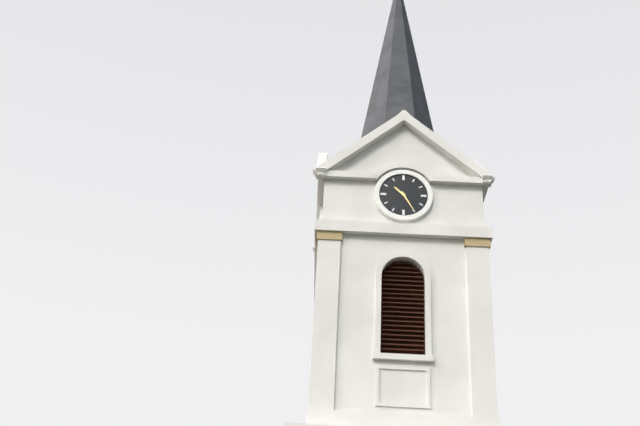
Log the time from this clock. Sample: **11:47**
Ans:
**10:25**
